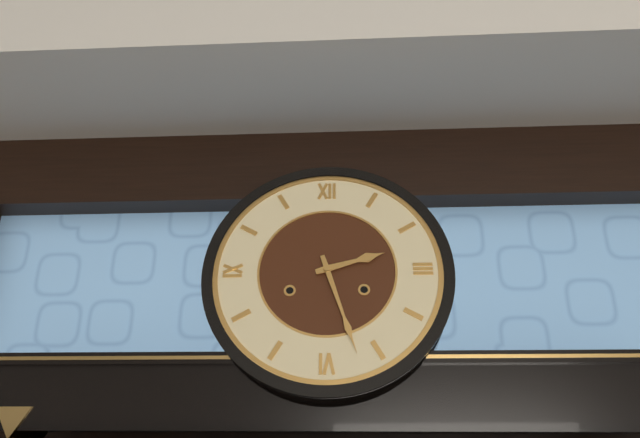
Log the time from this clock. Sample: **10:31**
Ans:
**2:27**
